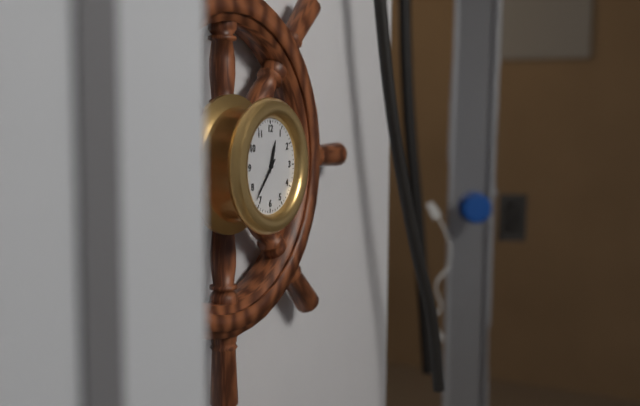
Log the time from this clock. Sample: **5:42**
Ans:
**12:37**
